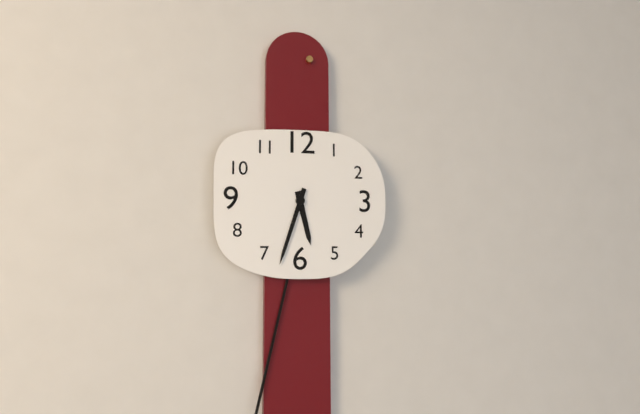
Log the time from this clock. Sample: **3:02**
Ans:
**5:33**
